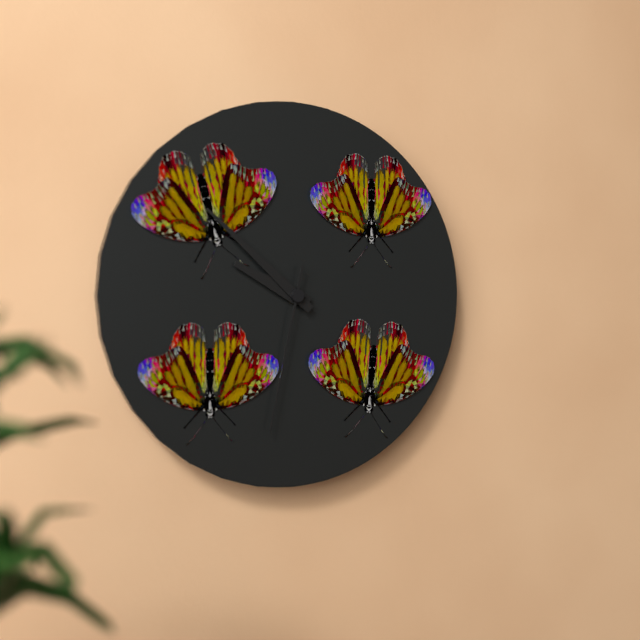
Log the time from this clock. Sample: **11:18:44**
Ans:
**9:52:32**
